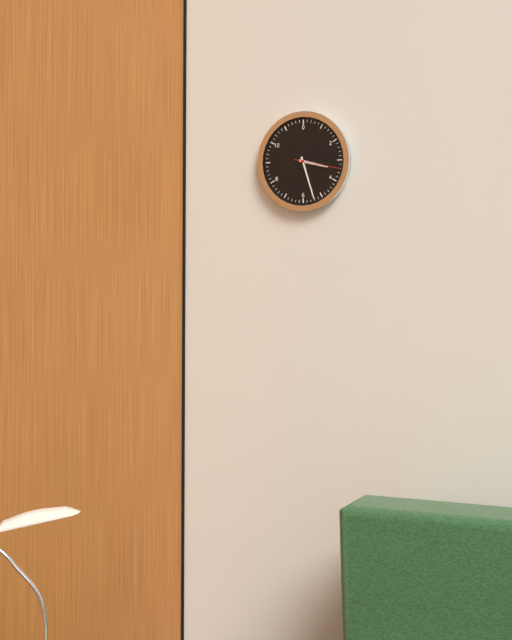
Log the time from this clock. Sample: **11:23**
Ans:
**3:27**
